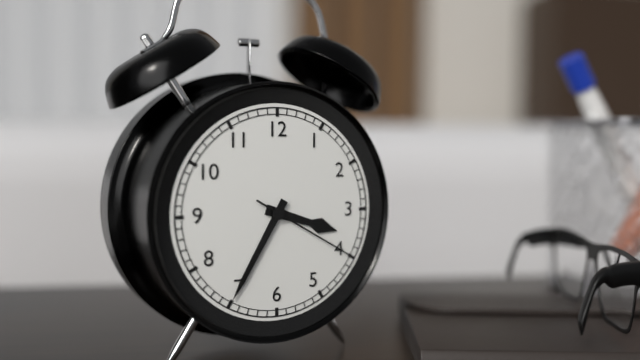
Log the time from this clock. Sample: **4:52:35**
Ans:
**3:35:20**
